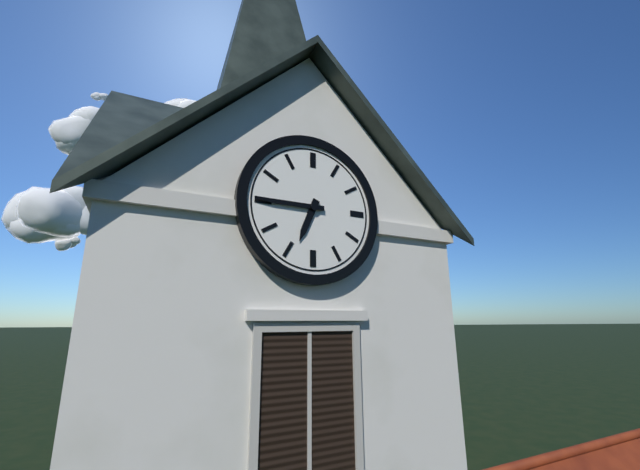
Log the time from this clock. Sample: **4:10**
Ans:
**6:45**
